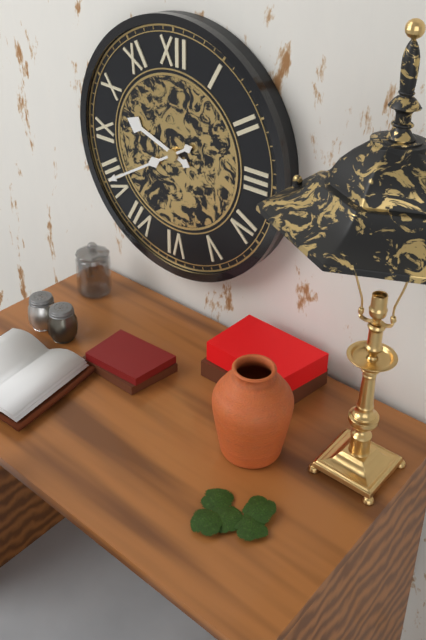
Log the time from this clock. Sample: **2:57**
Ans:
**9:40**
